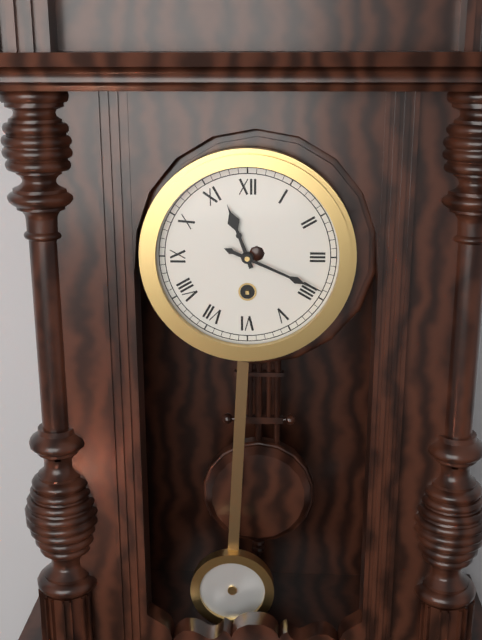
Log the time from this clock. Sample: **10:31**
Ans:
**11:19**
